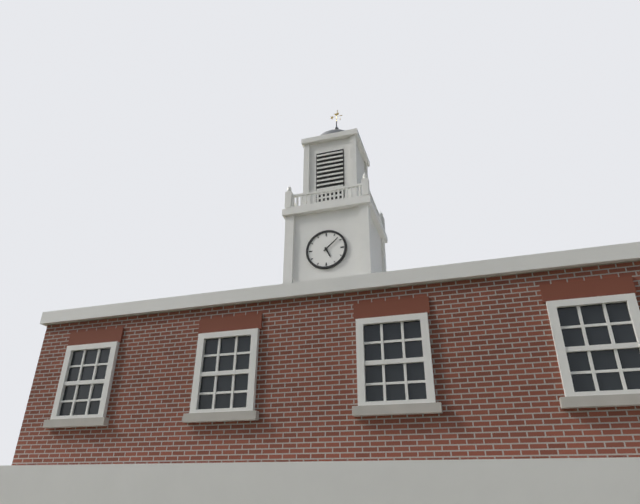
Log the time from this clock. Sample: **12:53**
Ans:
**5:08**
